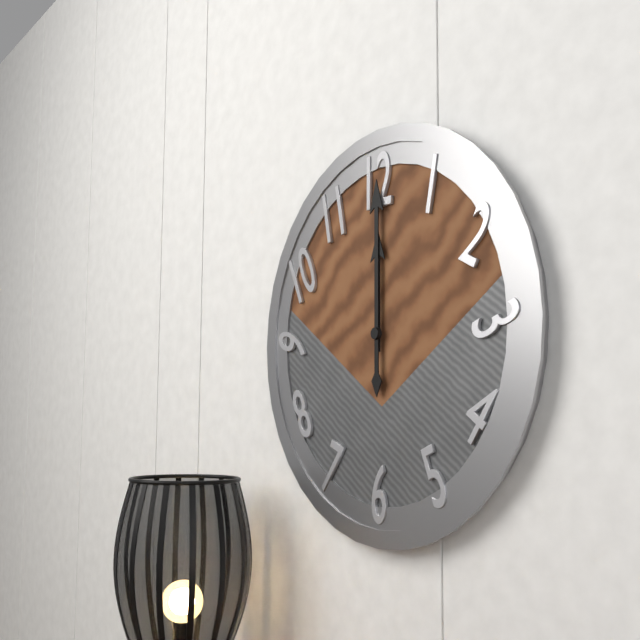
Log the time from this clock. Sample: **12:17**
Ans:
**12:00**
